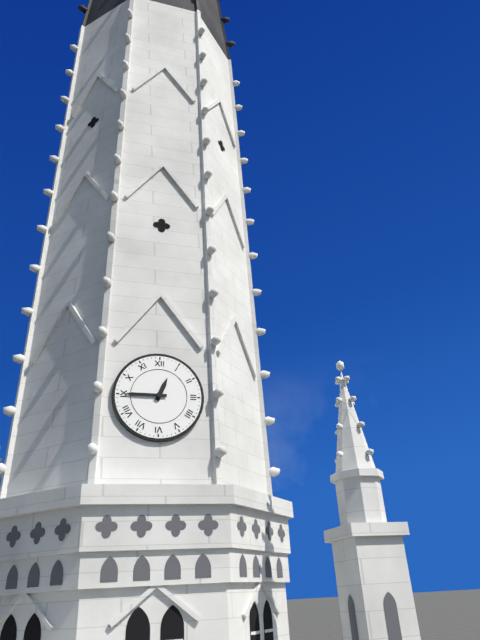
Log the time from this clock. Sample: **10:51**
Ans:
**12:45**
